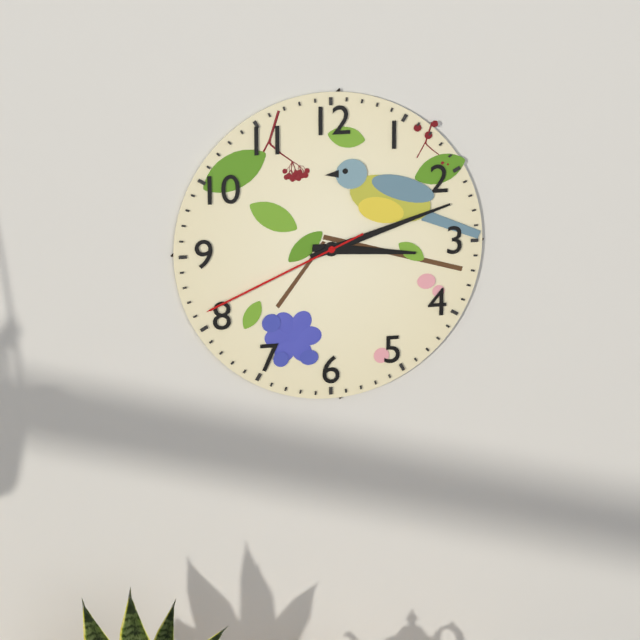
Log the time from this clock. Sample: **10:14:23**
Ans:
**3:12:41**
